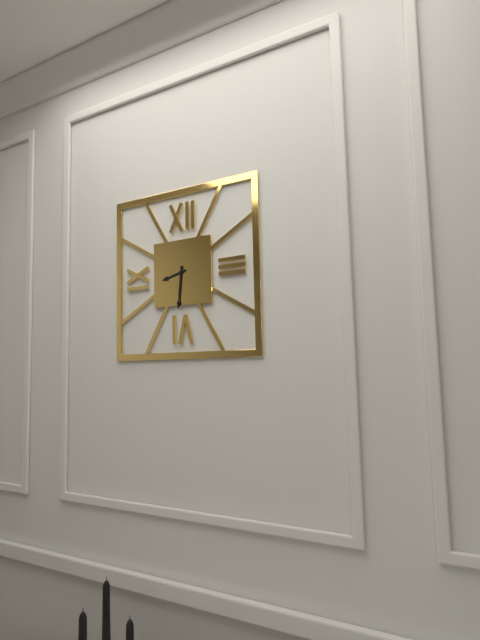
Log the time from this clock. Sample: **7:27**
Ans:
**8:31**
